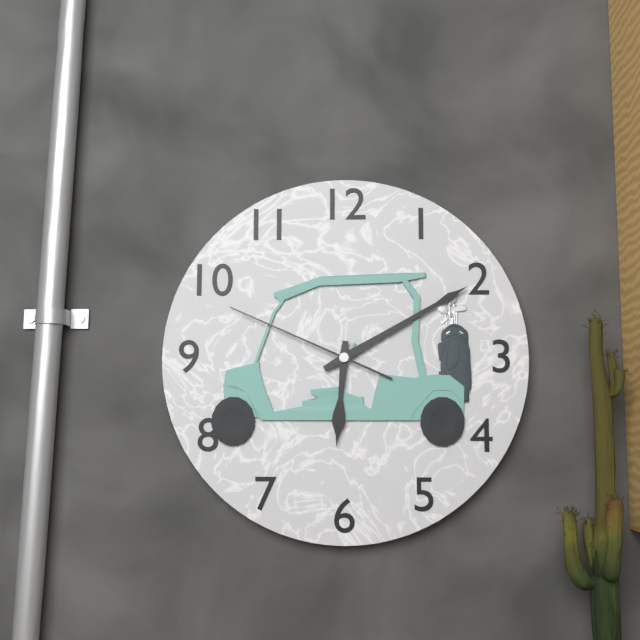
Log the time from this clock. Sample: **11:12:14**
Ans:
**6:10:49**
